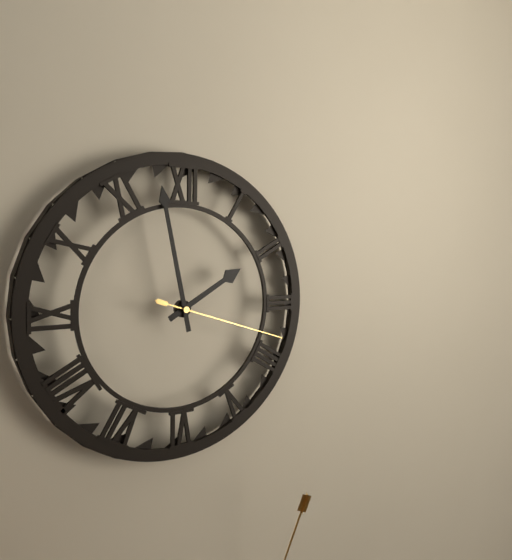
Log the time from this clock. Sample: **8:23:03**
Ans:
**1:58:18**
